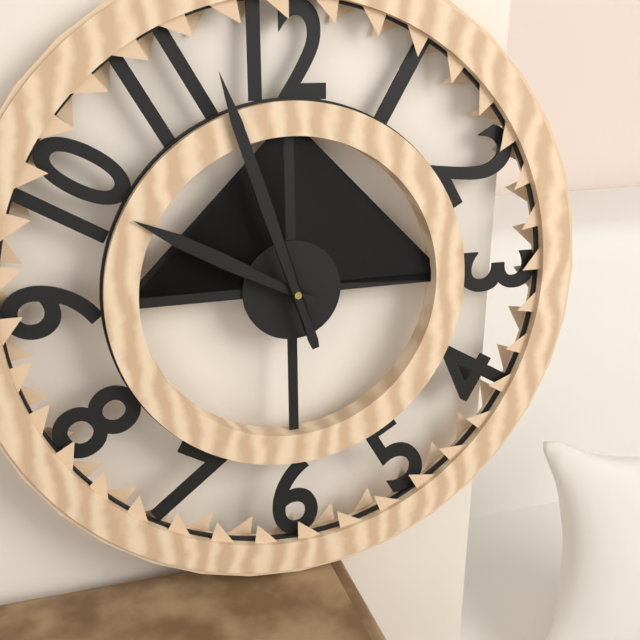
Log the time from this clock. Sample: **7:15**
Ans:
**9:57**
